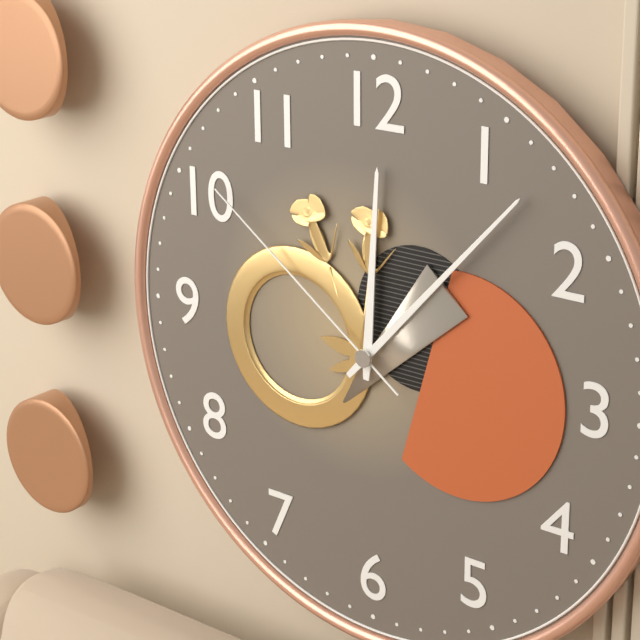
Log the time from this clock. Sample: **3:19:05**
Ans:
**12:07:51**
